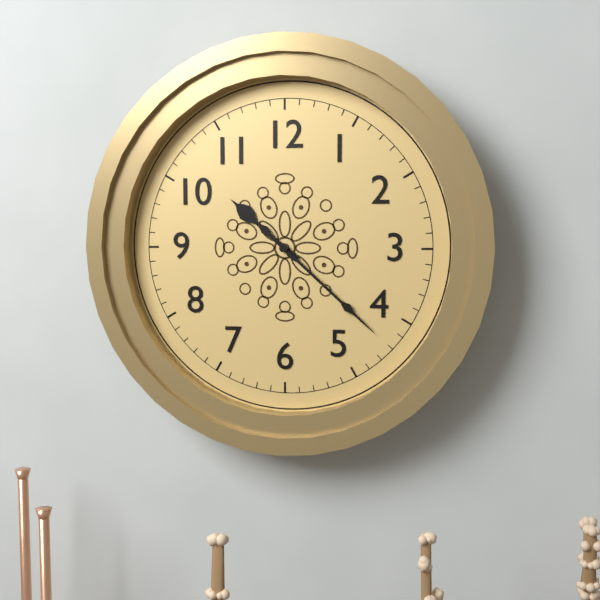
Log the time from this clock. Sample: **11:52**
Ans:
**10:22**
